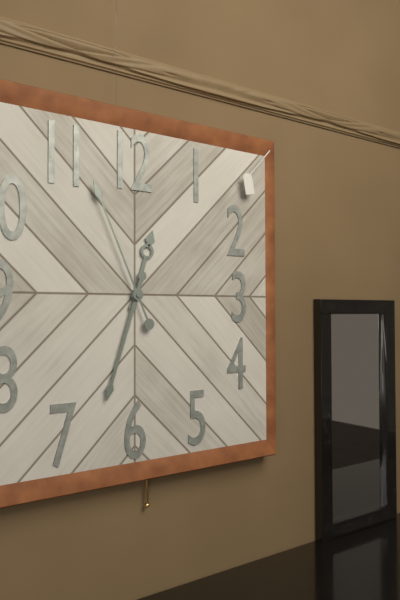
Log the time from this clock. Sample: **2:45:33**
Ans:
**12:33:56**
